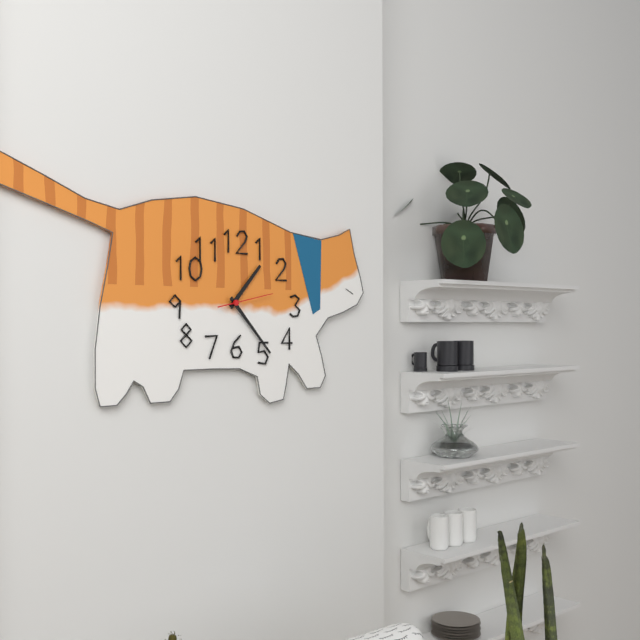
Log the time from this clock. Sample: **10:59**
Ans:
**1:23**
